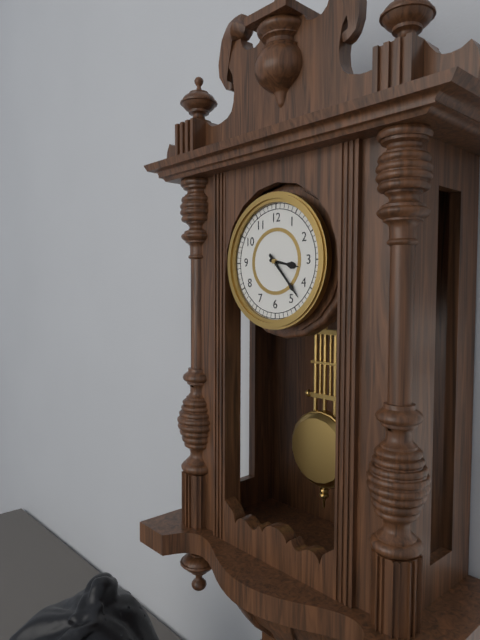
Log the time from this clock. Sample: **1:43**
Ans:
**3:23**
